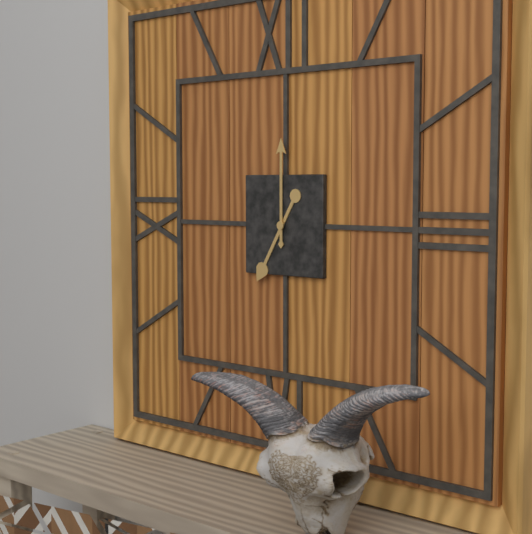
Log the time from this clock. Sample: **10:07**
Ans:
**7:00**
